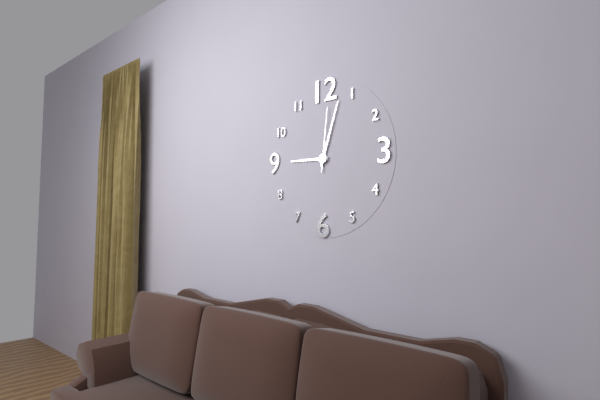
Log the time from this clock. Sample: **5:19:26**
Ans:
**9:03:01**
